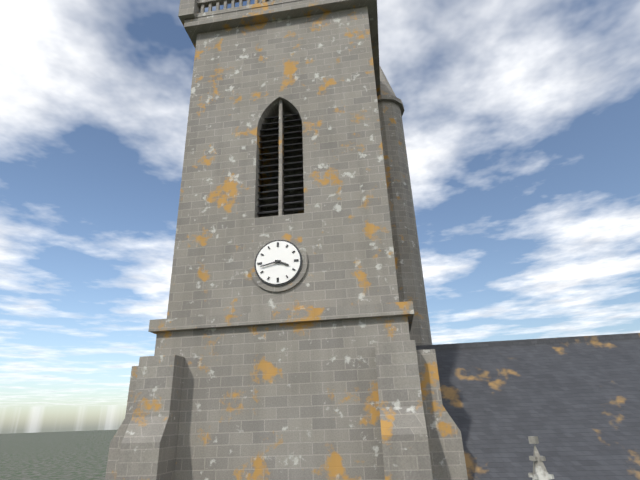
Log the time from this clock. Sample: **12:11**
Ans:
**3:43**
